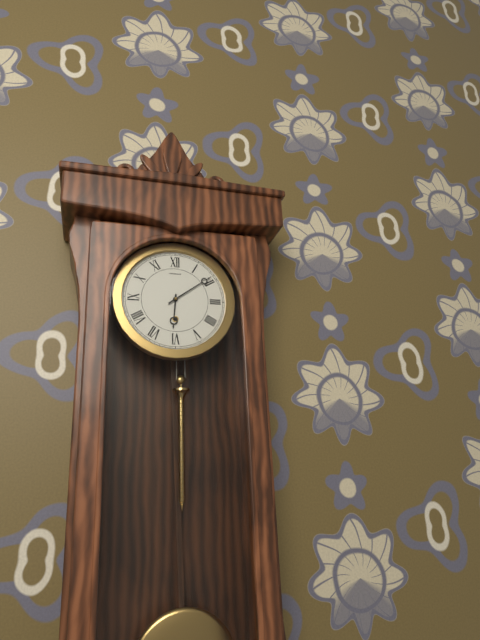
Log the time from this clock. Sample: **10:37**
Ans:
**6:09**
